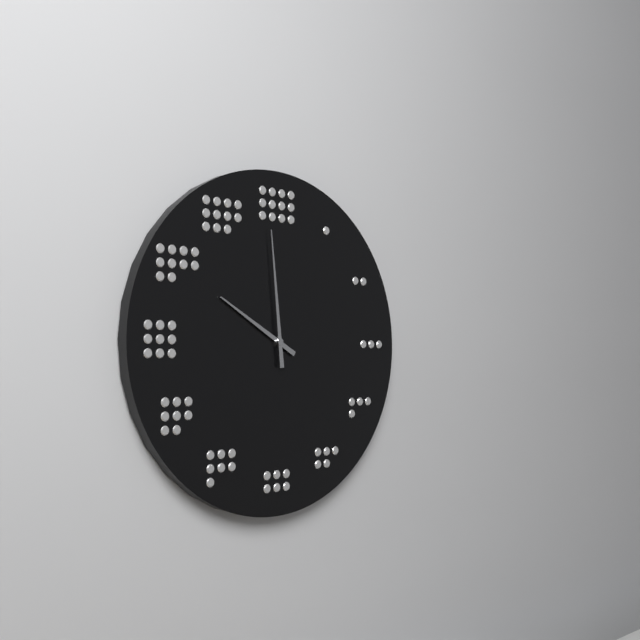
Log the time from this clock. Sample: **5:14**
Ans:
**9:59**
